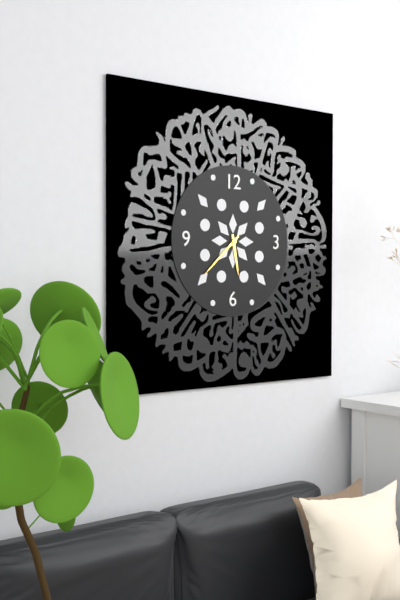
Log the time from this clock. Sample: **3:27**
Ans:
**5:38**
